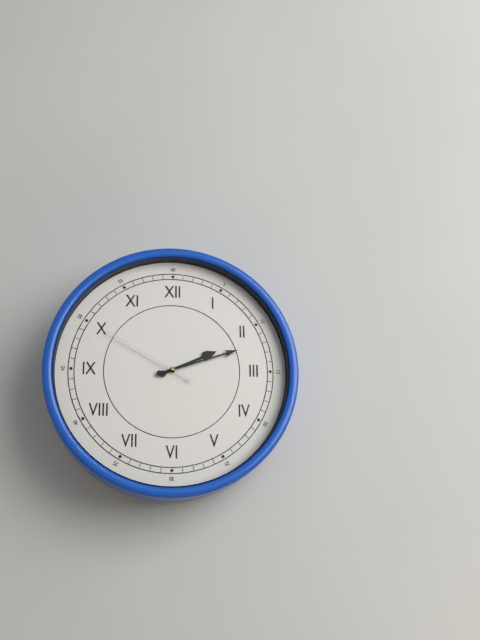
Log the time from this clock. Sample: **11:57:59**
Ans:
**2:12:50**
